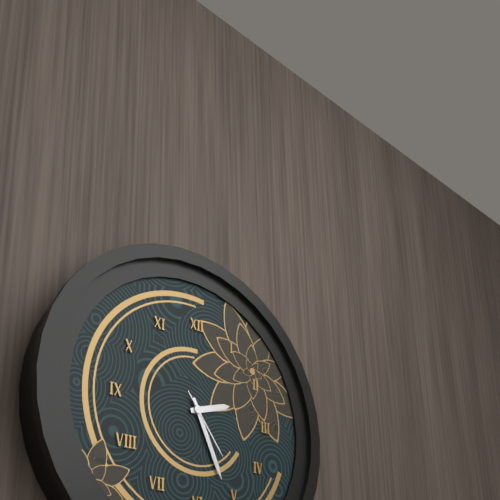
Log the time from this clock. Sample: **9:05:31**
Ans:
**2:26:24**
